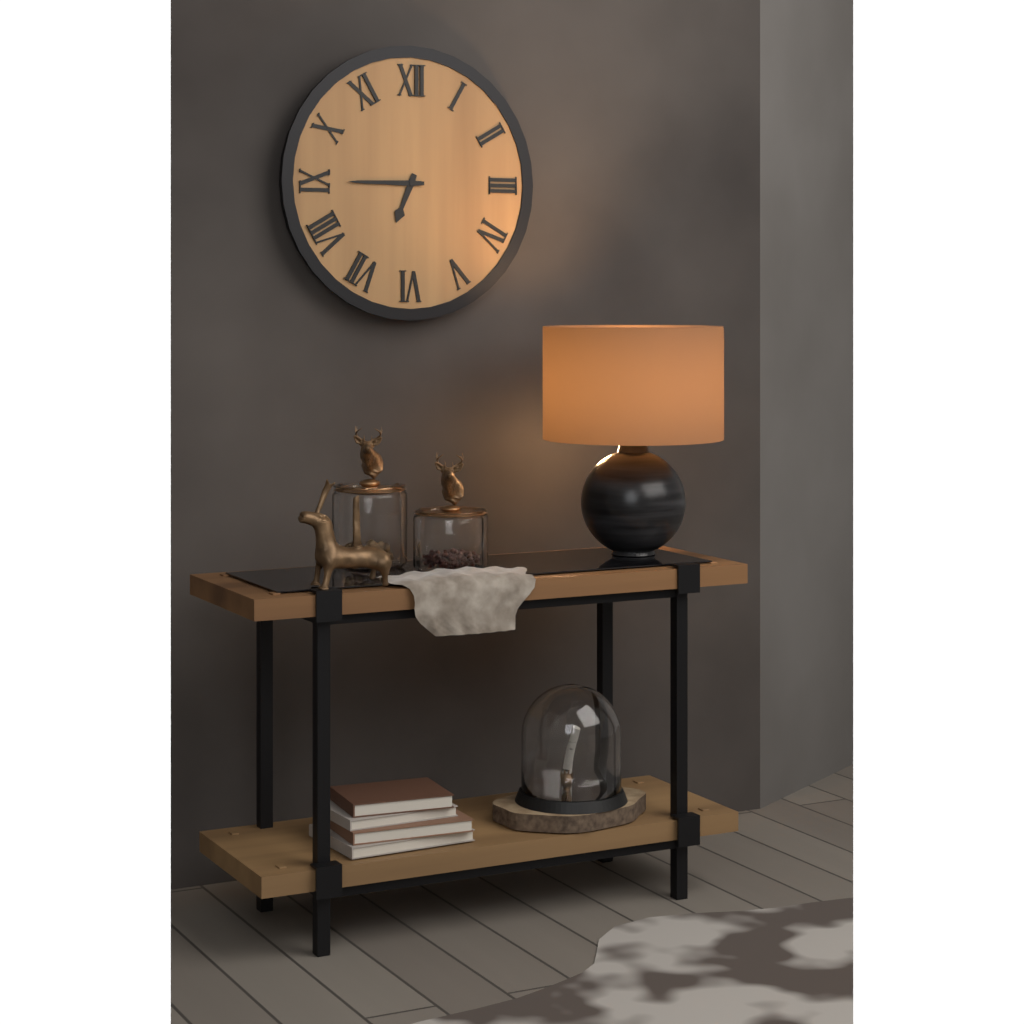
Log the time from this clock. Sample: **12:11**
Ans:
**6:45**
